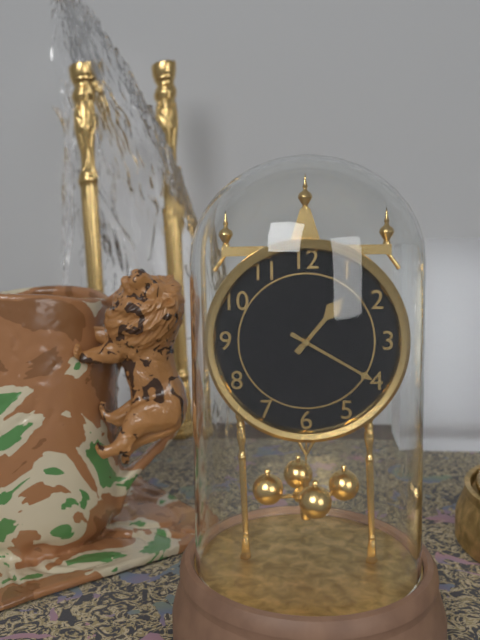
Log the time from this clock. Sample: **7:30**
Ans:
**1:20**
